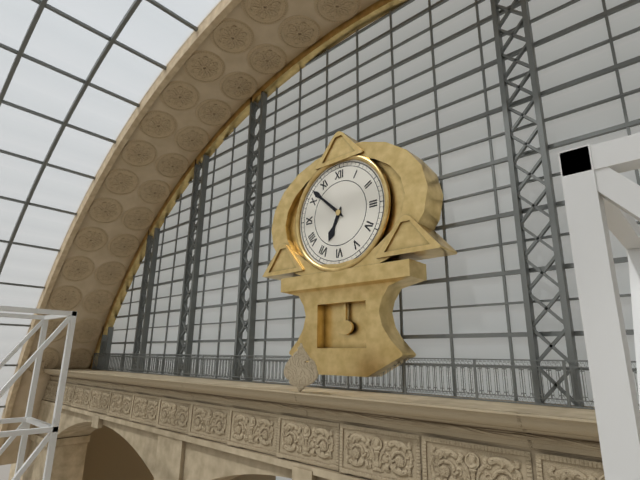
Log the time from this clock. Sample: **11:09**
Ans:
**6:52**
